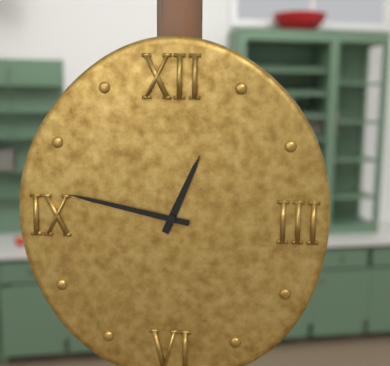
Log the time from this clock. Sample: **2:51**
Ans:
**12:47**
